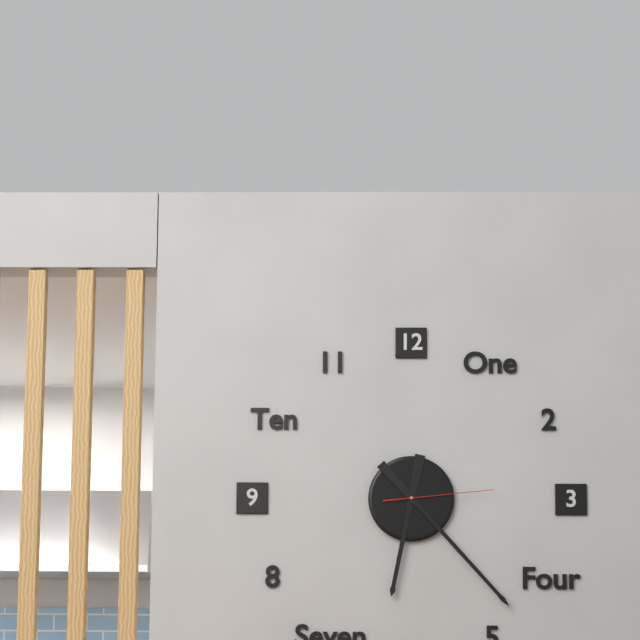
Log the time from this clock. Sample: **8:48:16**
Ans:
**6:23:14**
